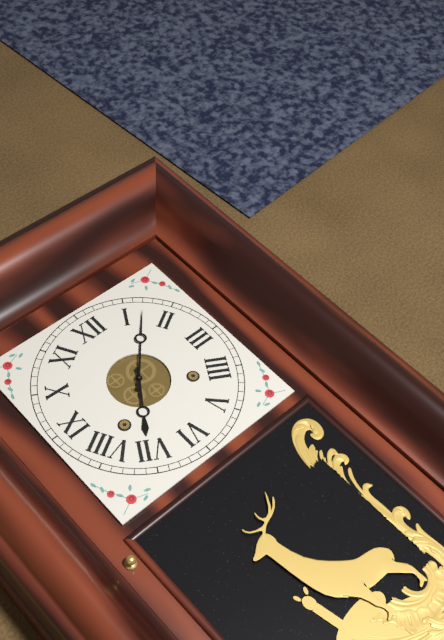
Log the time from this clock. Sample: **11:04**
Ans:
**7:07**
